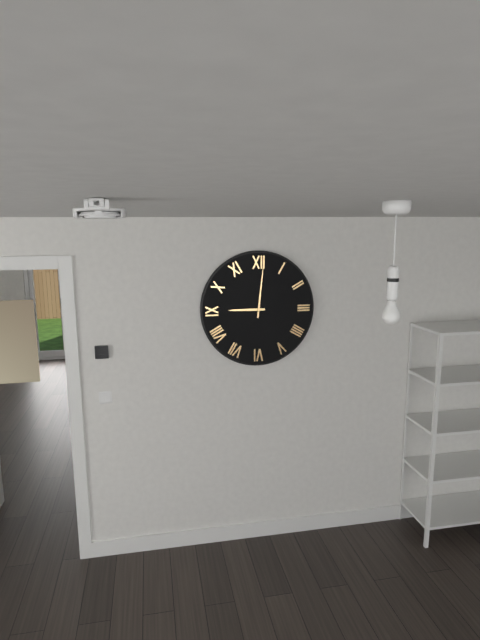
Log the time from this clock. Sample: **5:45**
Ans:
**9:01**
